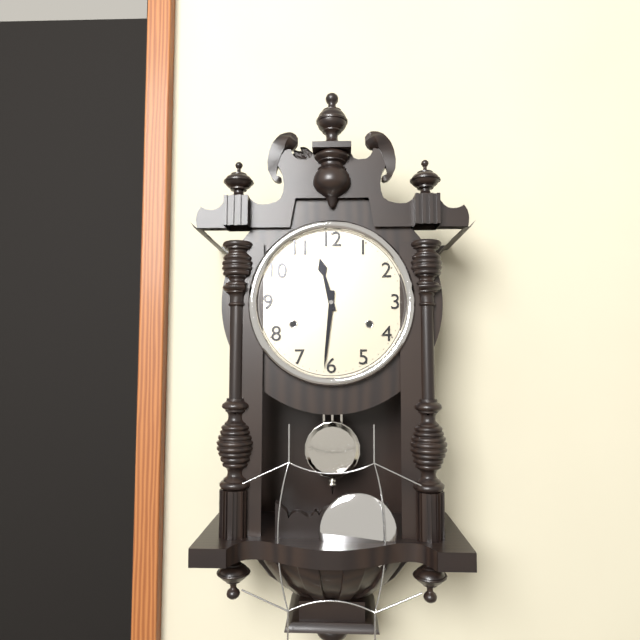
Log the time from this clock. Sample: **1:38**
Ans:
**11:31**
